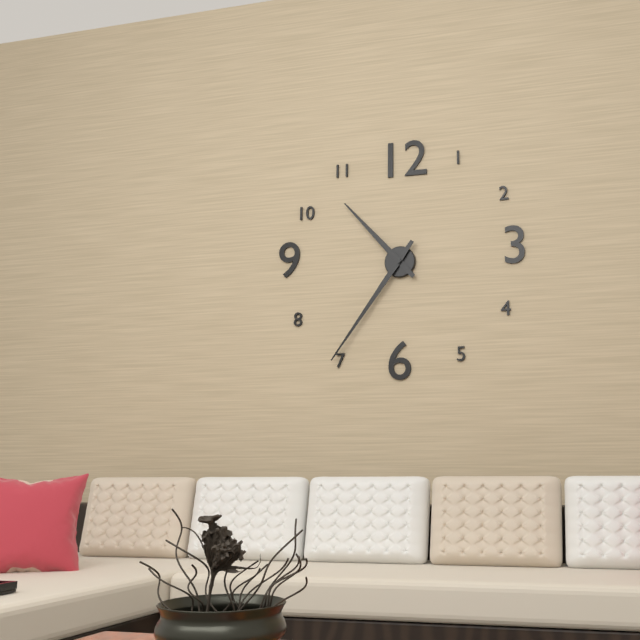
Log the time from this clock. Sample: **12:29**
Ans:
**10:36**
